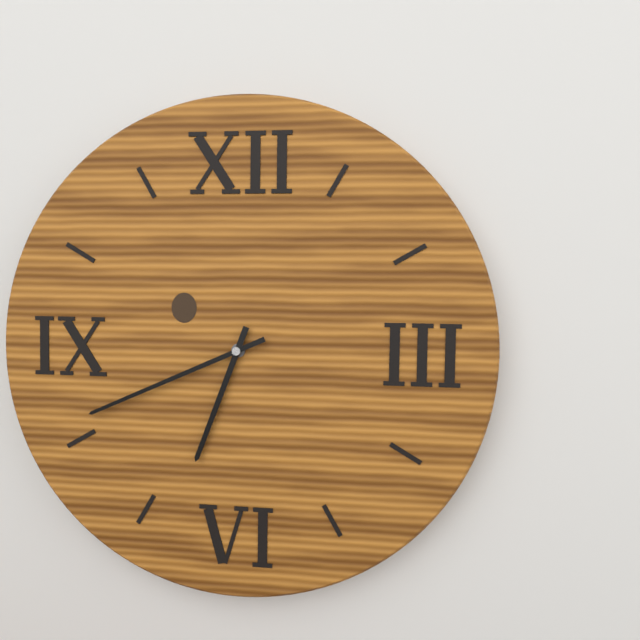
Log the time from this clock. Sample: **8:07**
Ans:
**6:41**
